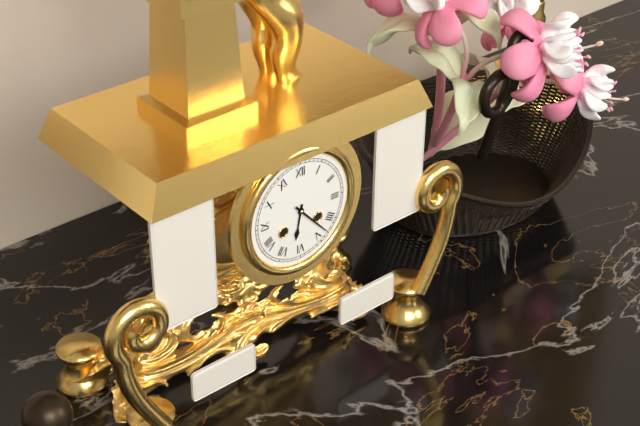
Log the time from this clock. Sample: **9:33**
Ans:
**6:23**
